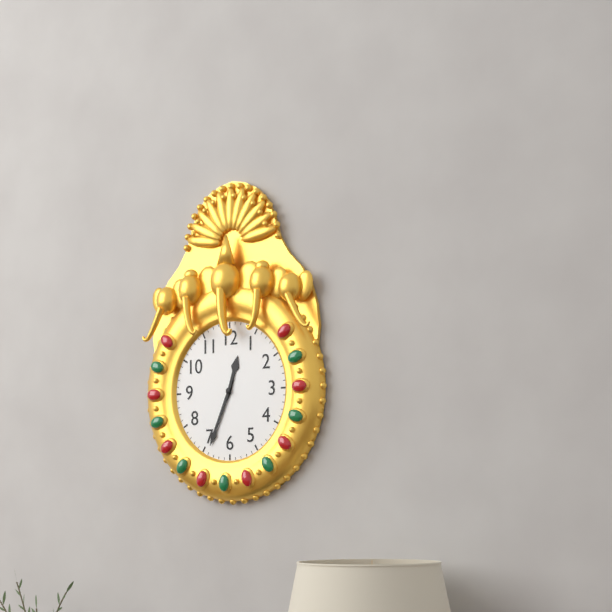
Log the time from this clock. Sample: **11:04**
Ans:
**12:34**
